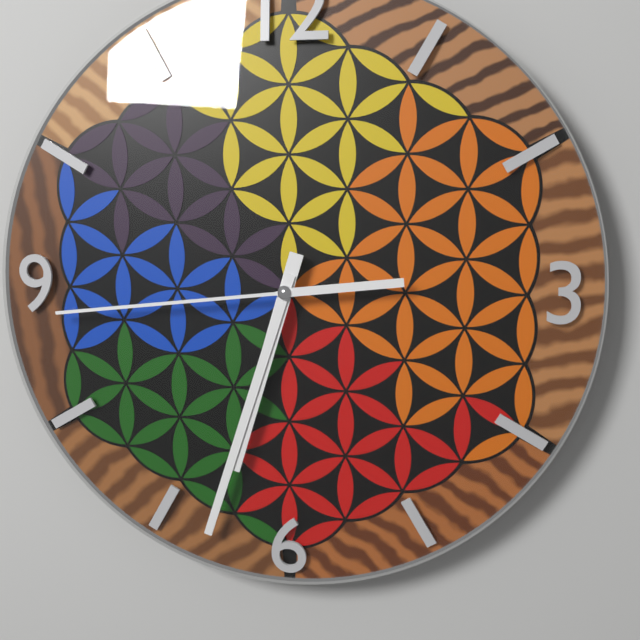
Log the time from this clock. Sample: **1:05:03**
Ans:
**6:33:44**
